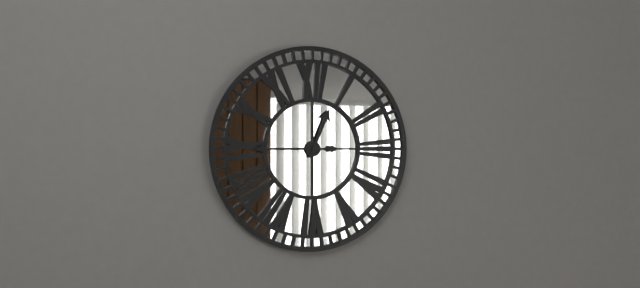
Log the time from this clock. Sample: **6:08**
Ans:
**12:45**
